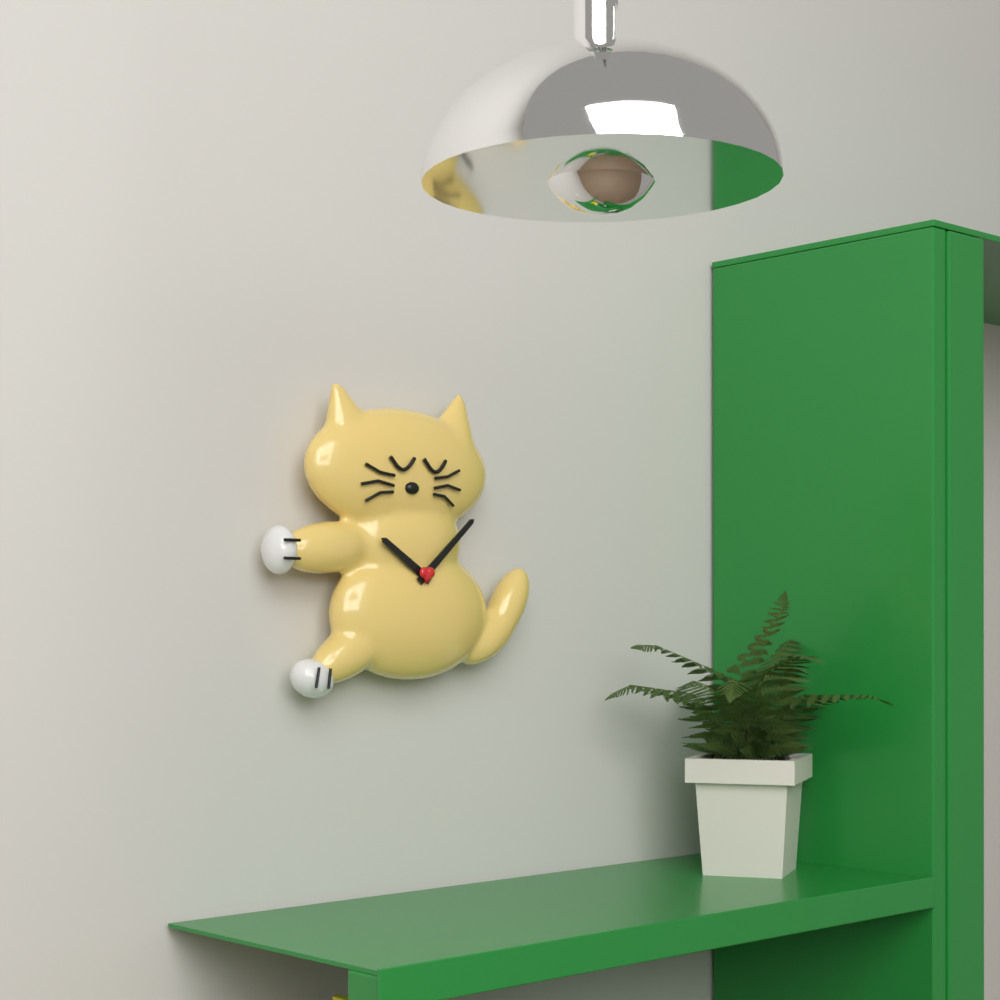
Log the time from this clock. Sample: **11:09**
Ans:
**10:08**
